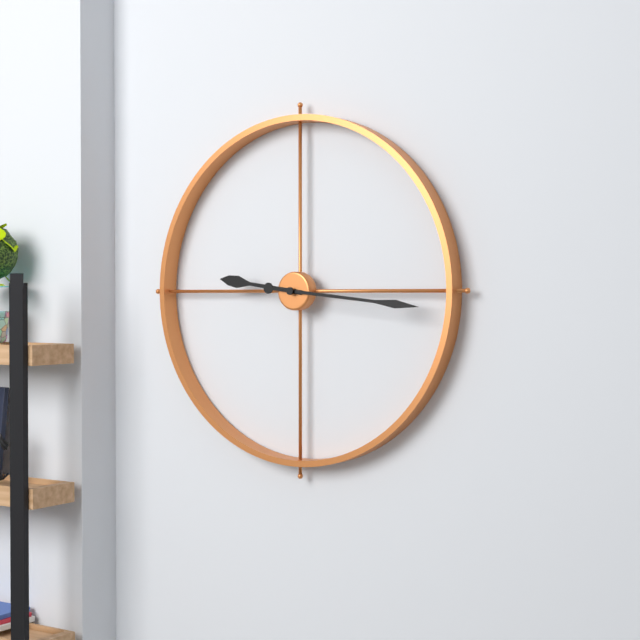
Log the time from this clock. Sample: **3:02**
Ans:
**9:16**
